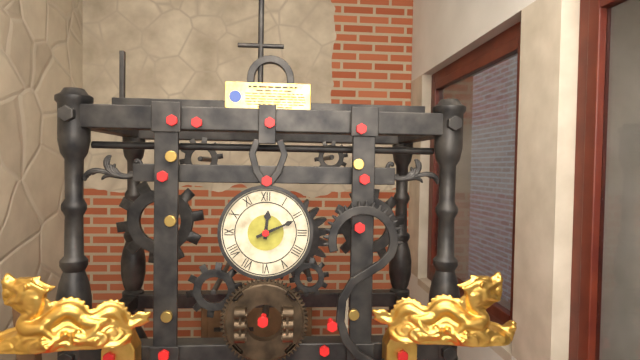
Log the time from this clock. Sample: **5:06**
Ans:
**12:11**
